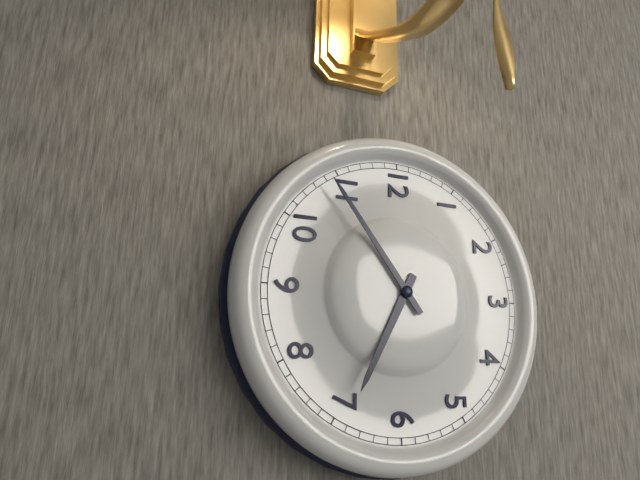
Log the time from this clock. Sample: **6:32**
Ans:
**6:54**
